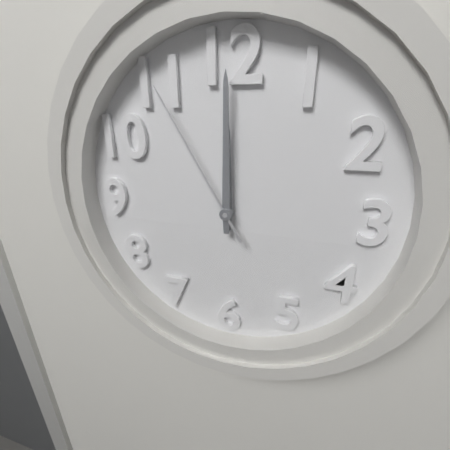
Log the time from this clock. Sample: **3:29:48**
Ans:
**12:00:55**
